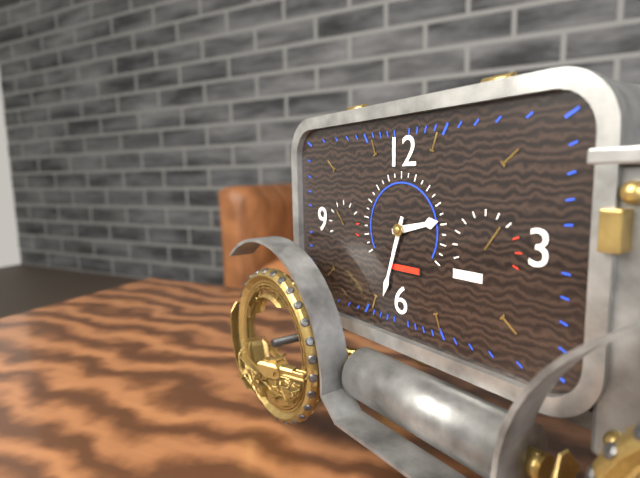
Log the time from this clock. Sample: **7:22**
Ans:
**2:33**
